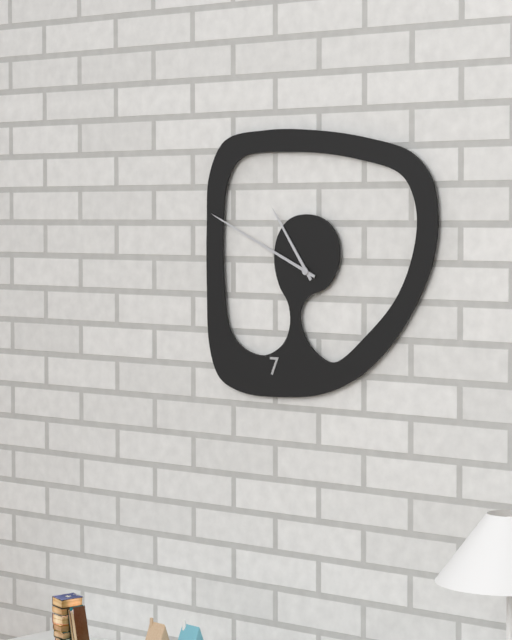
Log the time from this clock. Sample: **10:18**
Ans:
**10:49**
